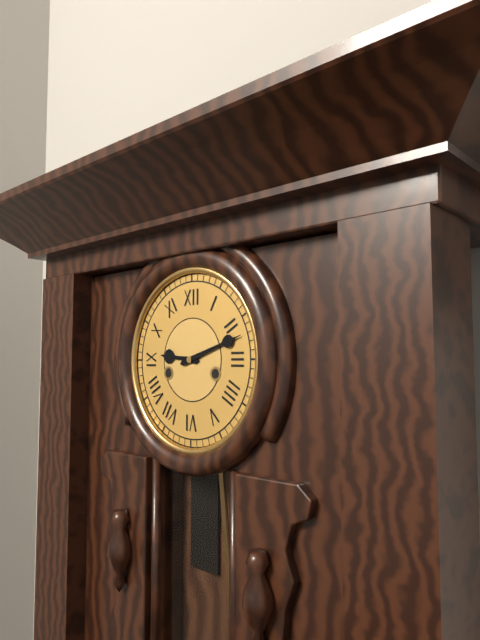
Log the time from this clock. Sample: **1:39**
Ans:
**9:12**
